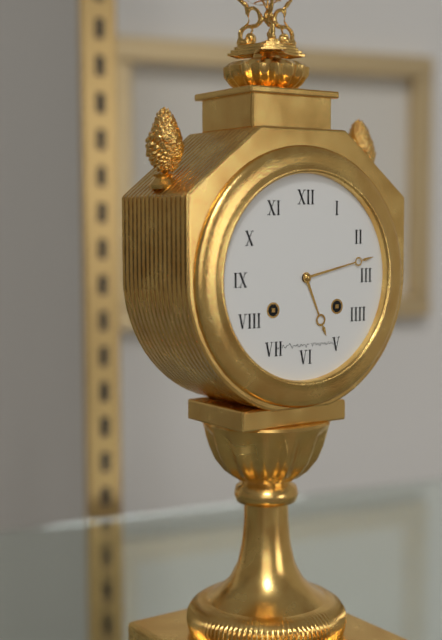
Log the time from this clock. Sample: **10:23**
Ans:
**5:13**
